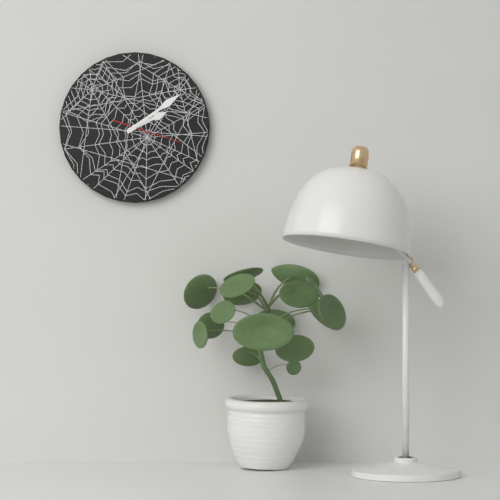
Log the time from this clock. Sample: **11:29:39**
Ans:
**2:09:18**
